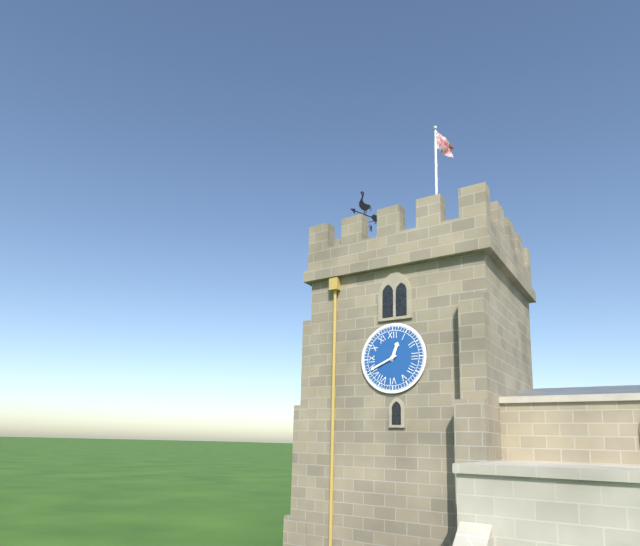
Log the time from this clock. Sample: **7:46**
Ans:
**12:41**
